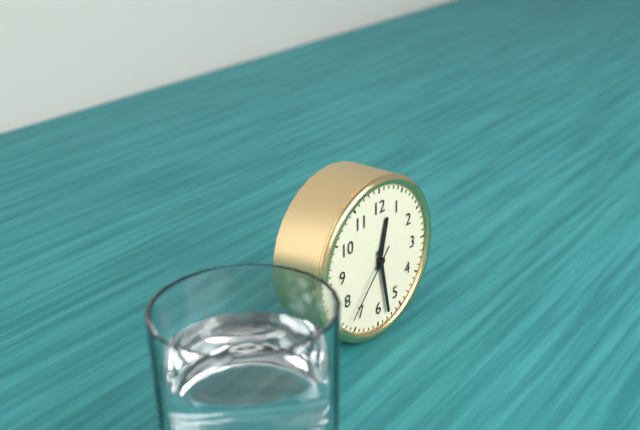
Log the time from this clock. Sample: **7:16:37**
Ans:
**12:28:37**
